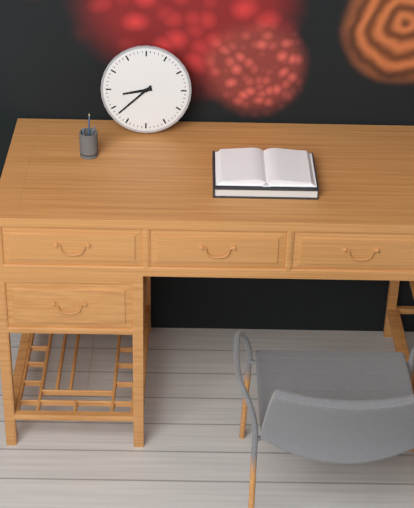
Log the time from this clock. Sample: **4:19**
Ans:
**8:38**
